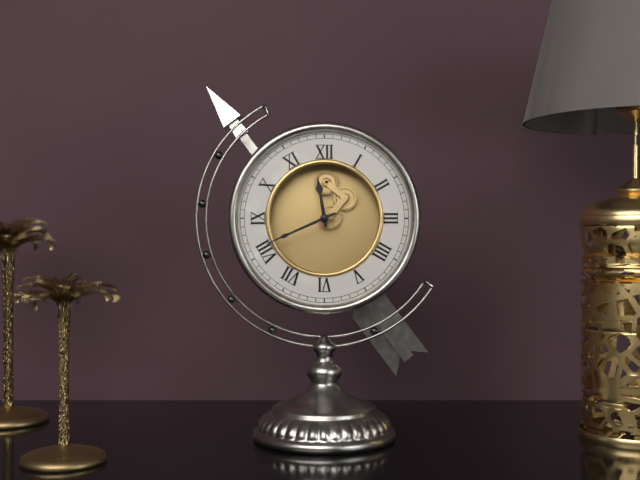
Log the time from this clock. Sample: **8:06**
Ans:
**11:41**
